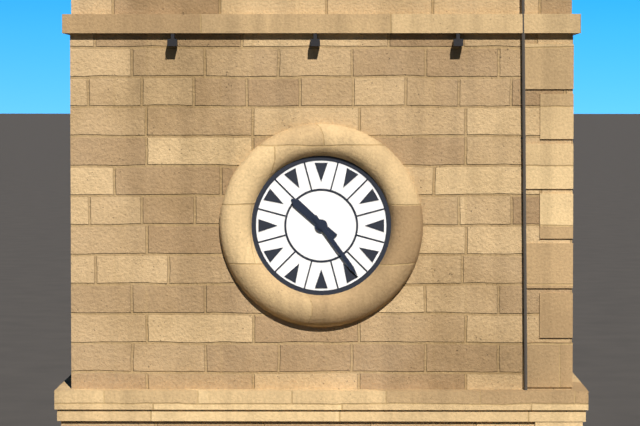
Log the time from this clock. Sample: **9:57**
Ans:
**10:24**
